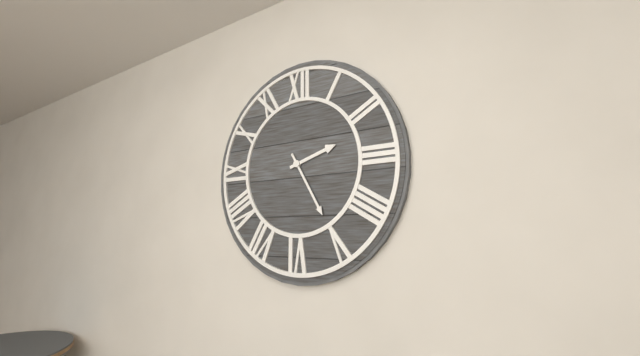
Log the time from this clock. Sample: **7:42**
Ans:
**2:25**
